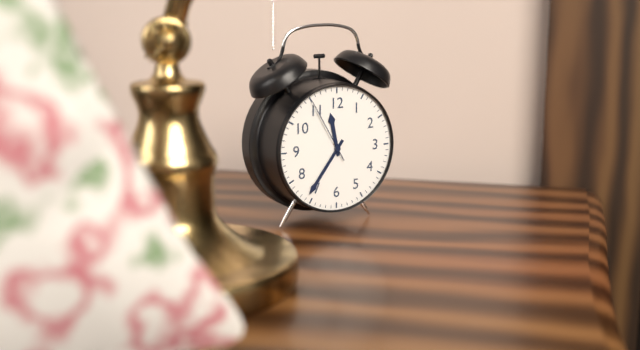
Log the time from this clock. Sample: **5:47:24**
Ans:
**11:36:55**
